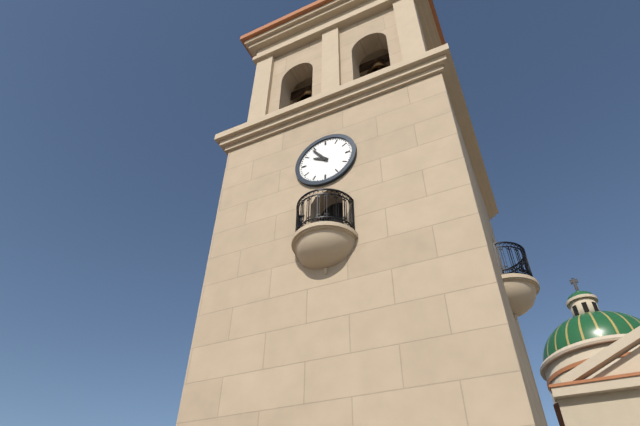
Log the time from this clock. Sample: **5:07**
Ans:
**9:54**
